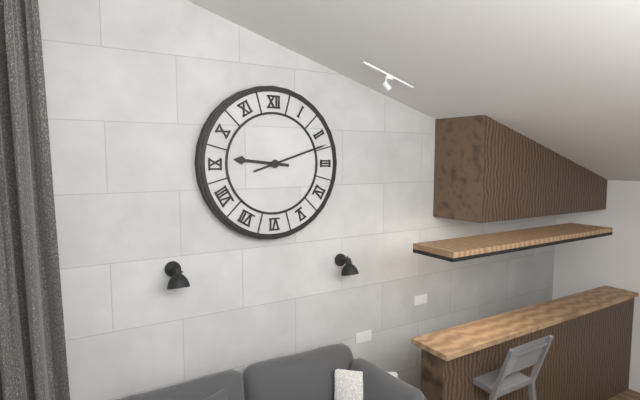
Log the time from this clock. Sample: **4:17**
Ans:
**9:12**
